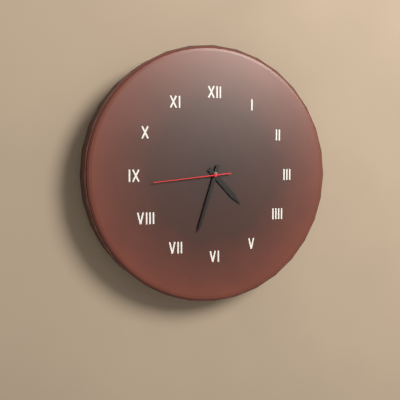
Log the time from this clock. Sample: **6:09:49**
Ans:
**4:33:44**
